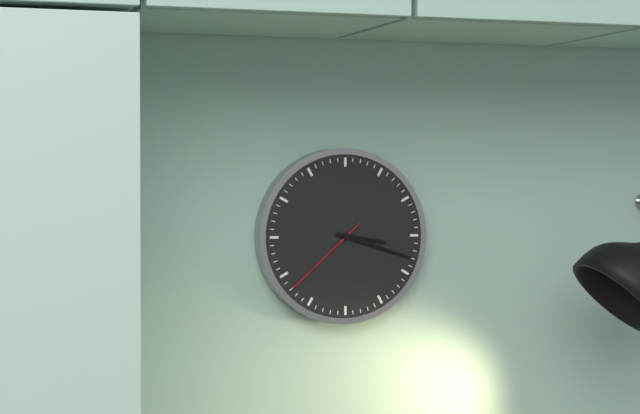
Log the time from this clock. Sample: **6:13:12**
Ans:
**3:18:38**
